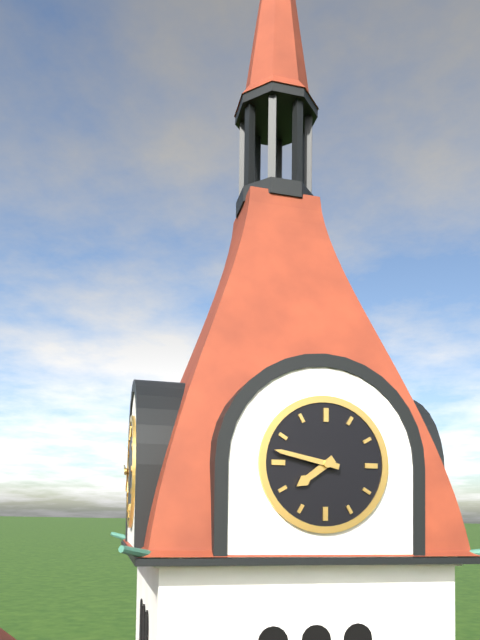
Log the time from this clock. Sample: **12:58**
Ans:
**7:47**
